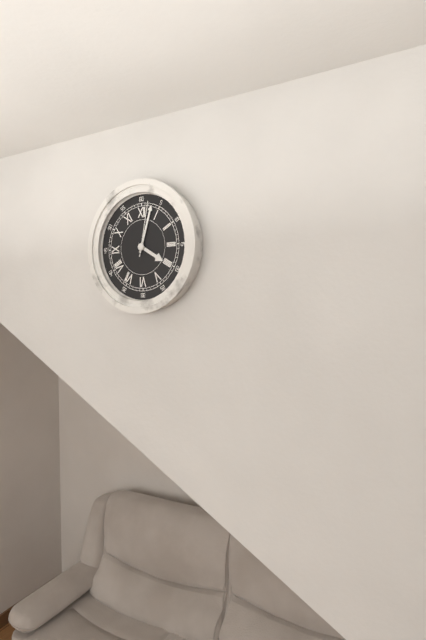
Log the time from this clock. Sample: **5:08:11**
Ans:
**4:03:02**
